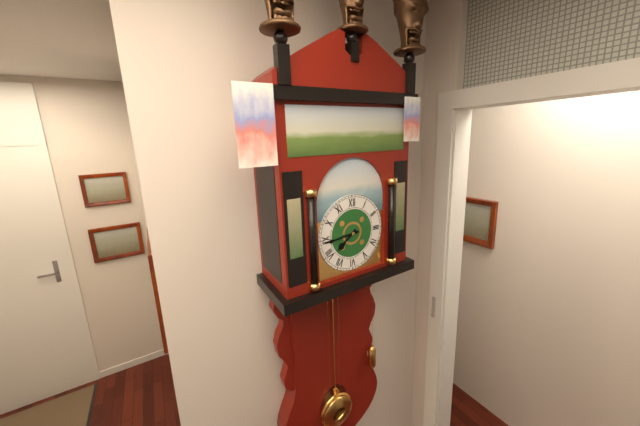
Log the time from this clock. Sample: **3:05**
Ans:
**7:44**
